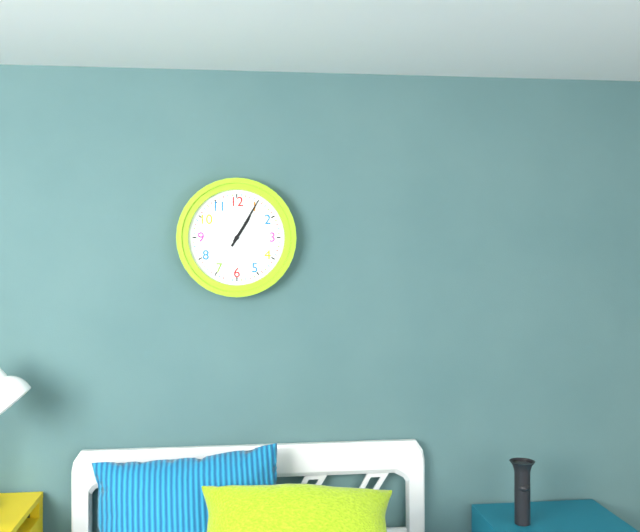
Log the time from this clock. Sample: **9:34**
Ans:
**1:05**
